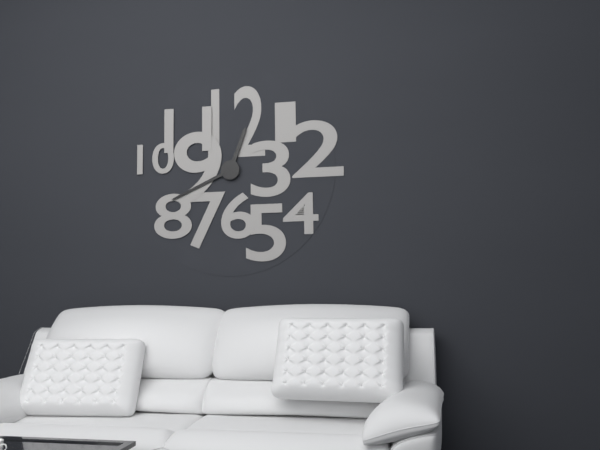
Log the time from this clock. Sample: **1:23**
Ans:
**12:41**
